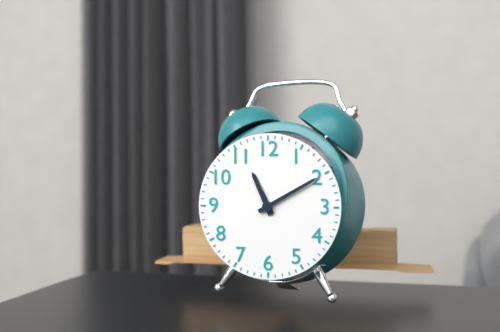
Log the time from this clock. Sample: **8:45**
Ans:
**11:10**
